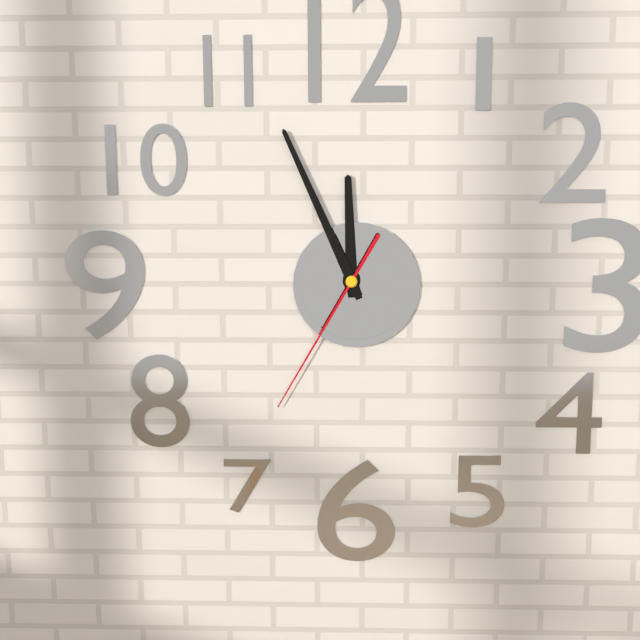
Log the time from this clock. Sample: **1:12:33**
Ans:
**11:56:35**
